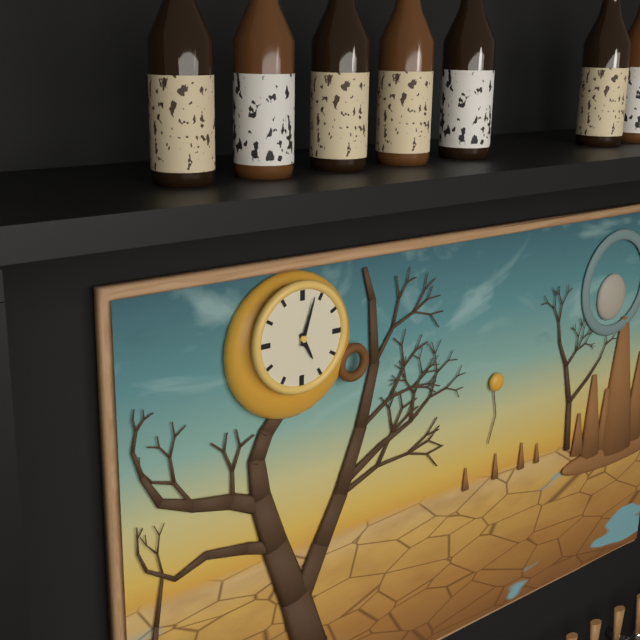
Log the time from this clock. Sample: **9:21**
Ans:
**5:03**
